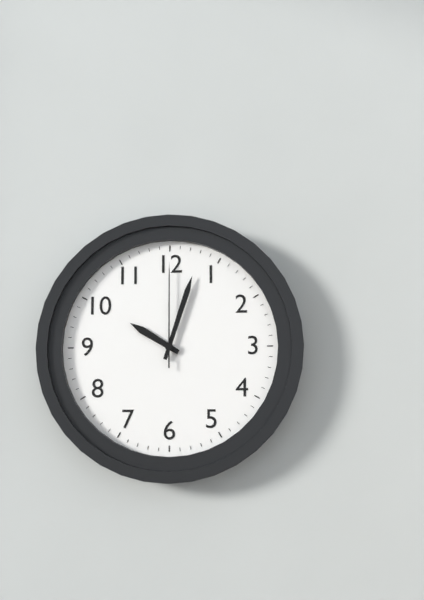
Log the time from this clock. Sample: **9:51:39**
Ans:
**10:03:00**
